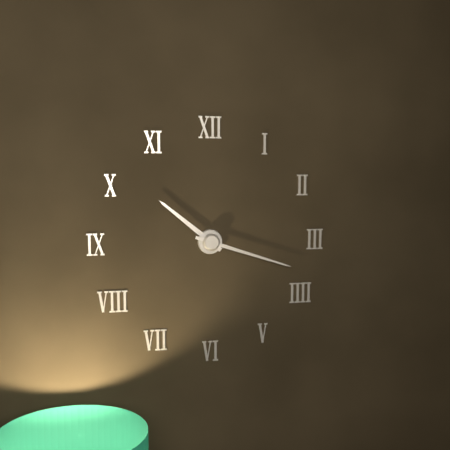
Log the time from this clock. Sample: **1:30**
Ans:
**10:18**
